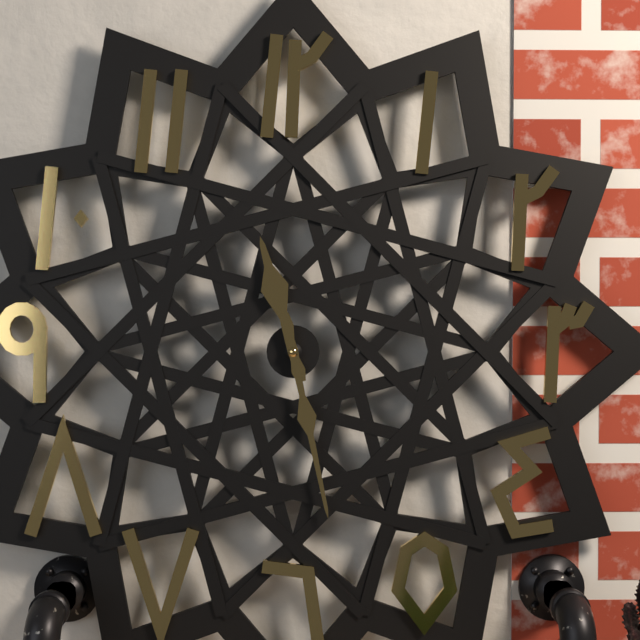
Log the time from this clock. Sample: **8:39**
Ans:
**11:28**
